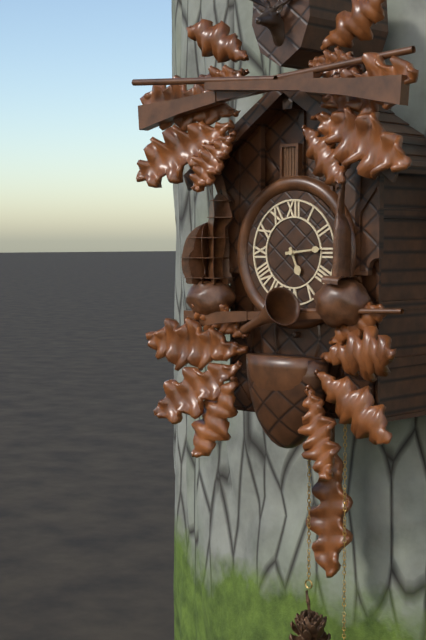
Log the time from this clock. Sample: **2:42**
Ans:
**5:14**
